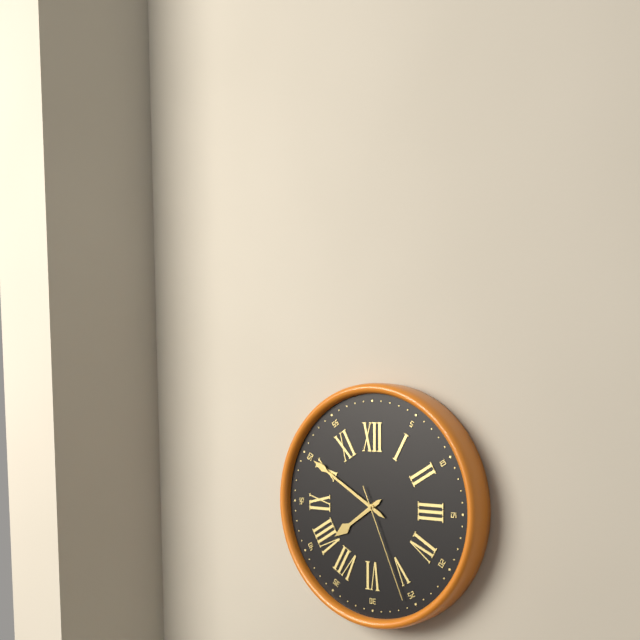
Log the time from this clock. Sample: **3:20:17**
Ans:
**7:50:26**
